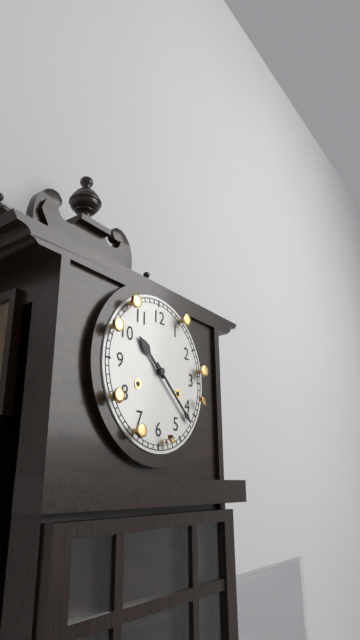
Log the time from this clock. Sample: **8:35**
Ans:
**10:22**
